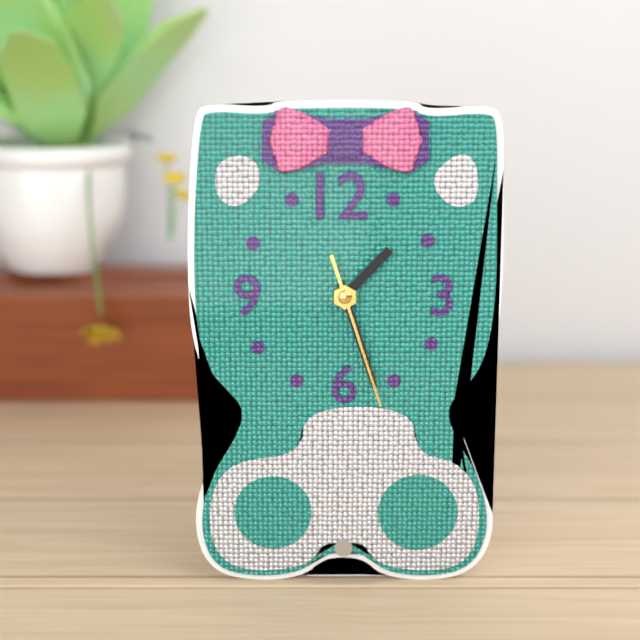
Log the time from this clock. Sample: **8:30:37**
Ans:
**1:27:27**
